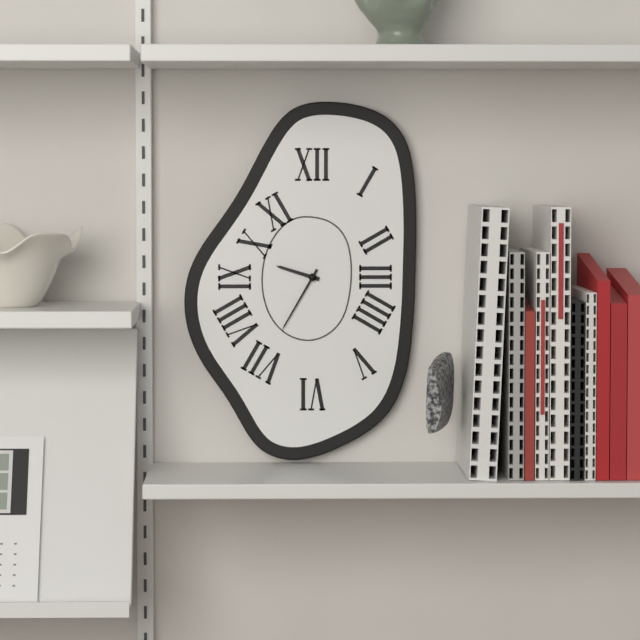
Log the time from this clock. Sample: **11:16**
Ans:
**9:35**
